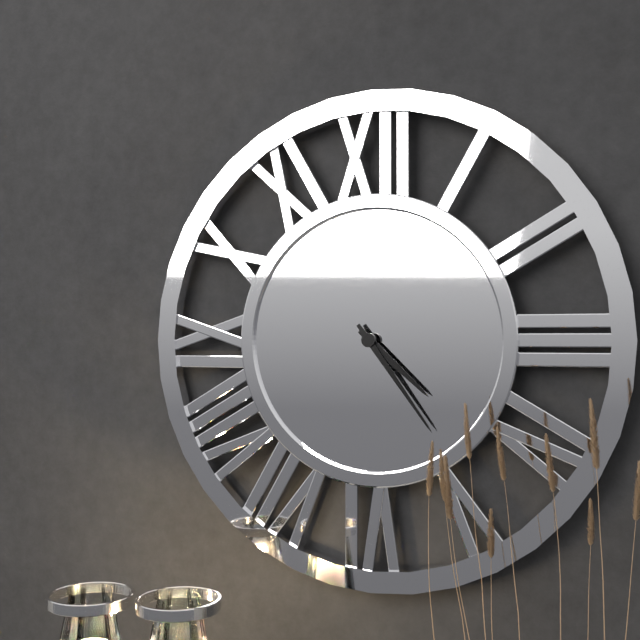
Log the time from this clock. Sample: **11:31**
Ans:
**4:24**
